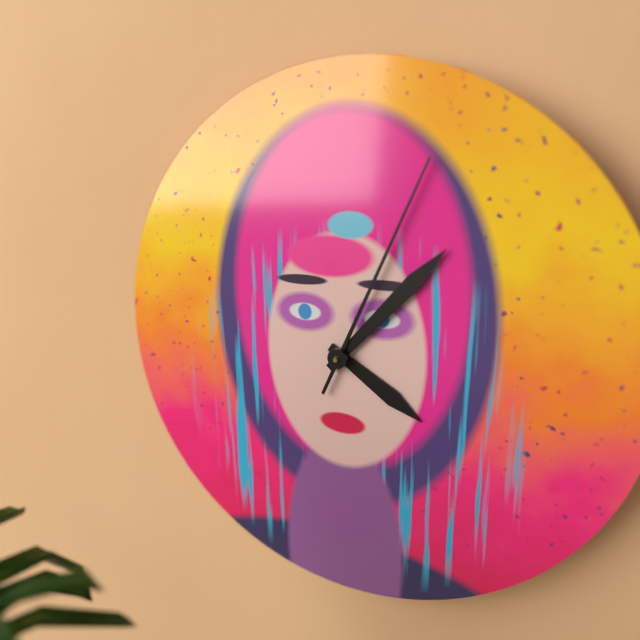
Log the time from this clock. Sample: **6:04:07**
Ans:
**4:07:04**
